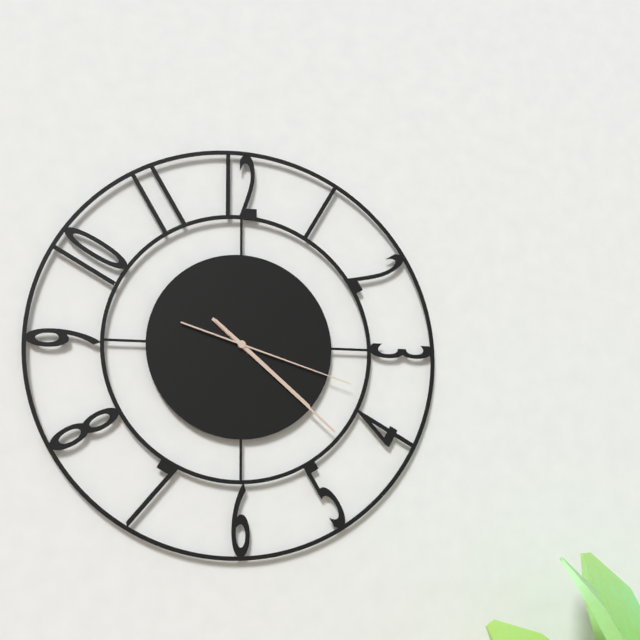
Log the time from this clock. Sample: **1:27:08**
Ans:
**4:22:18**
